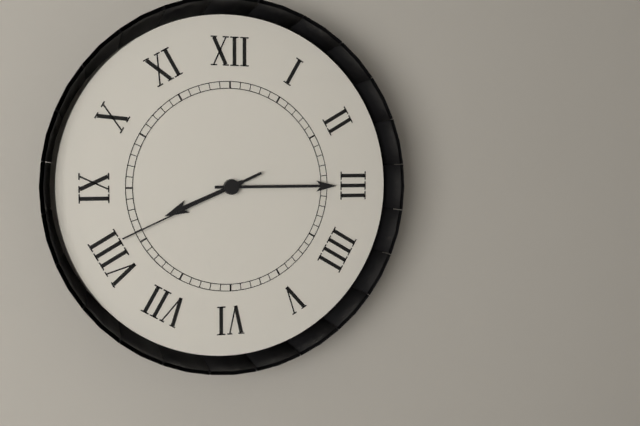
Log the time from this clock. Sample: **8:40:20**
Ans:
**8:15:41**
